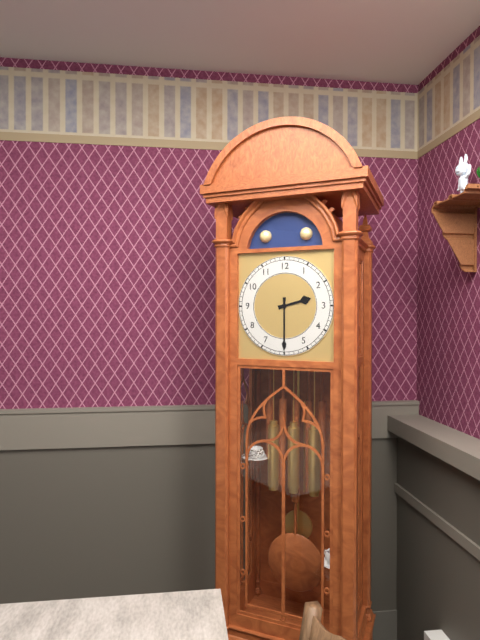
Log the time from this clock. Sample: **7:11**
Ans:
**2:30**
